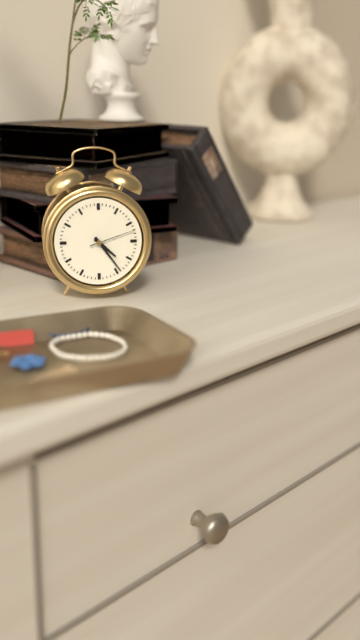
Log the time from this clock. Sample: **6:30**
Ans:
**4:24**
